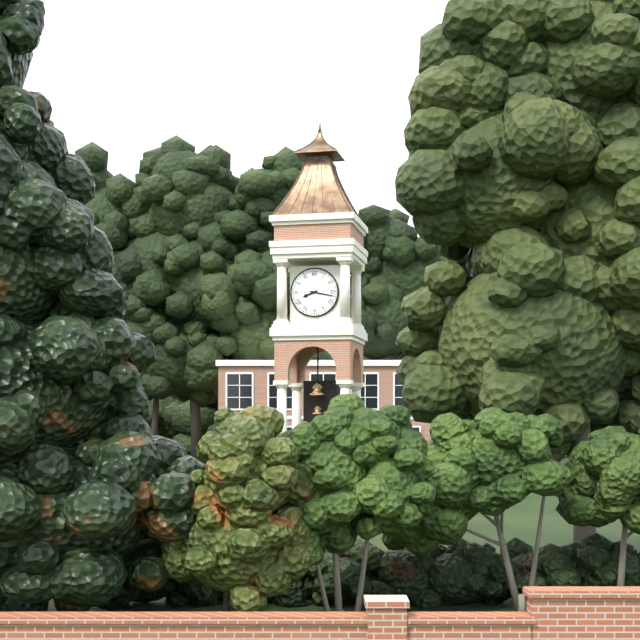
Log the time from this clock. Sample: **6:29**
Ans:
**8:17**
